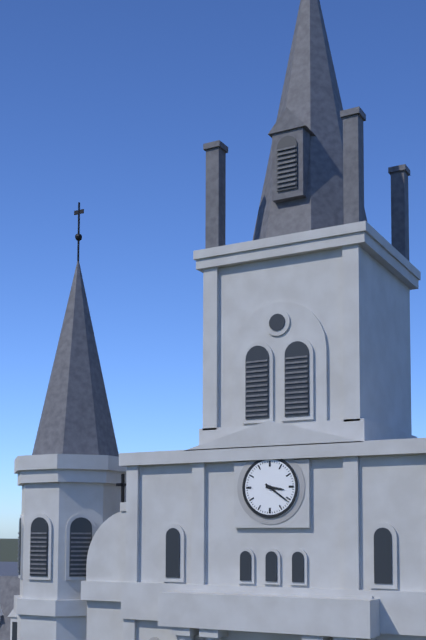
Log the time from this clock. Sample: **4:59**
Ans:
**3:21**
